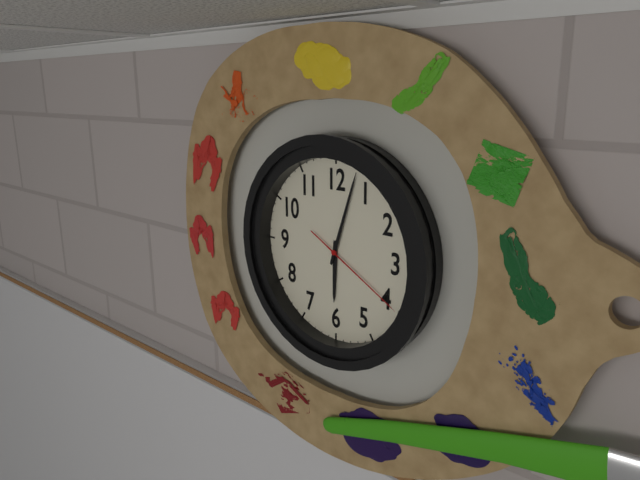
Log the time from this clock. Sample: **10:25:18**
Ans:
**6:03:20**
